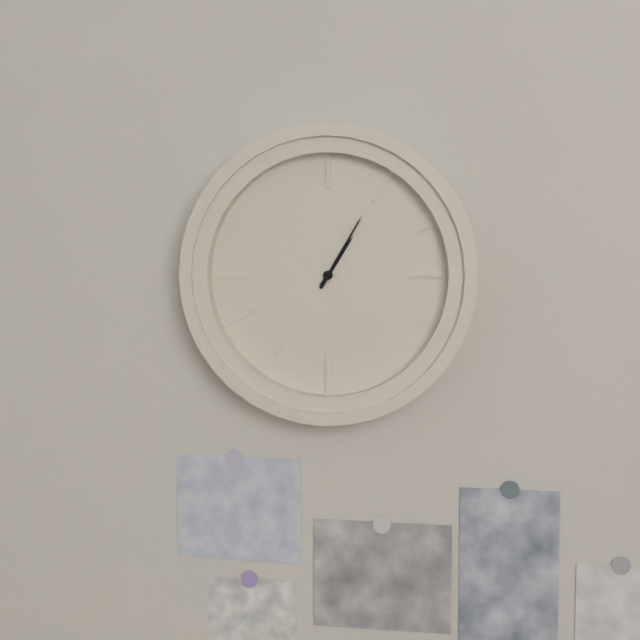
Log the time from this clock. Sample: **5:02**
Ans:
**1:05**
